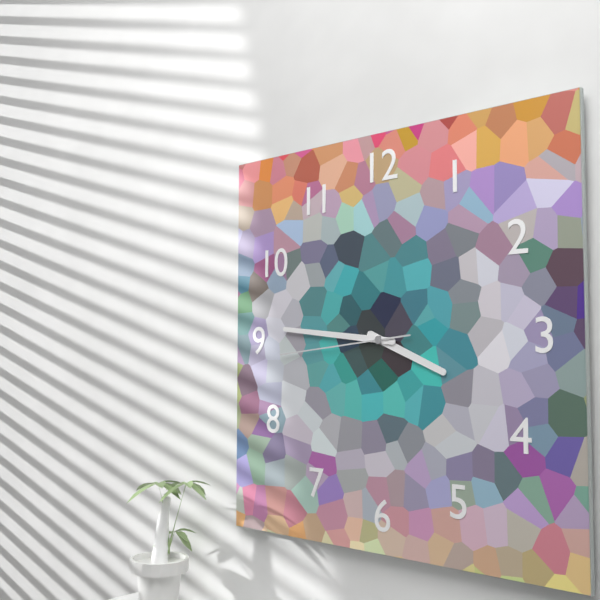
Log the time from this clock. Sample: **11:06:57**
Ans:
**3:46:44**
